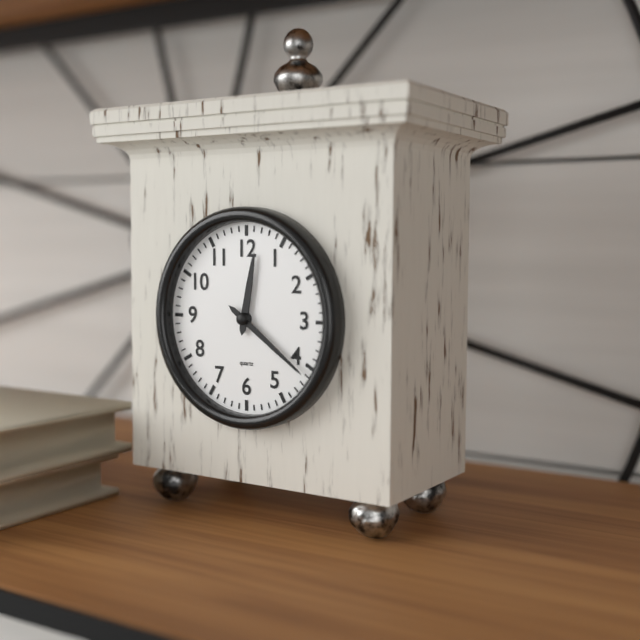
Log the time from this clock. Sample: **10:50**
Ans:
**12:21**
